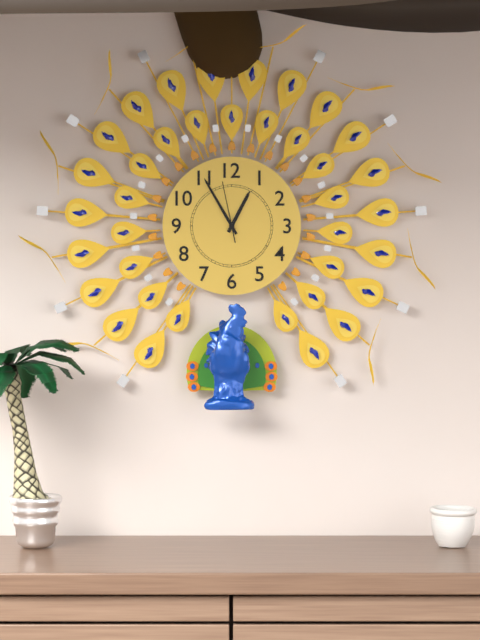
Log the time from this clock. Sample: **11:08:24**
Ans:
**12:55:58**
